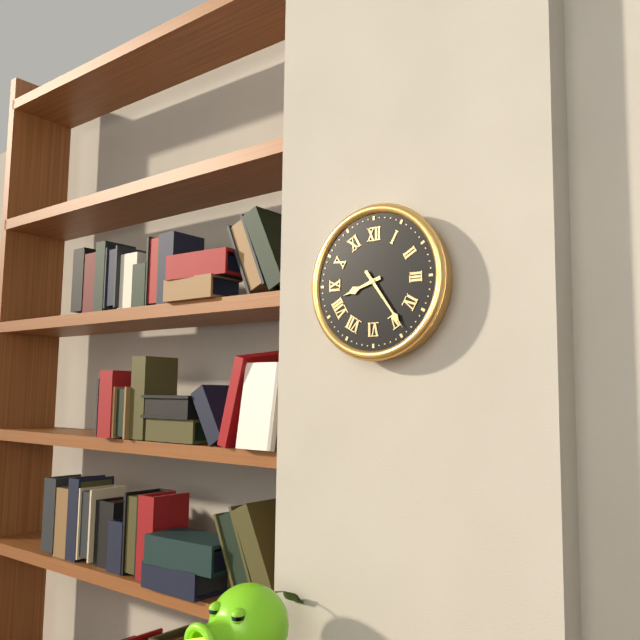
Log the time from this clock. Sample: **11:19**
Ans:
**8:24**
